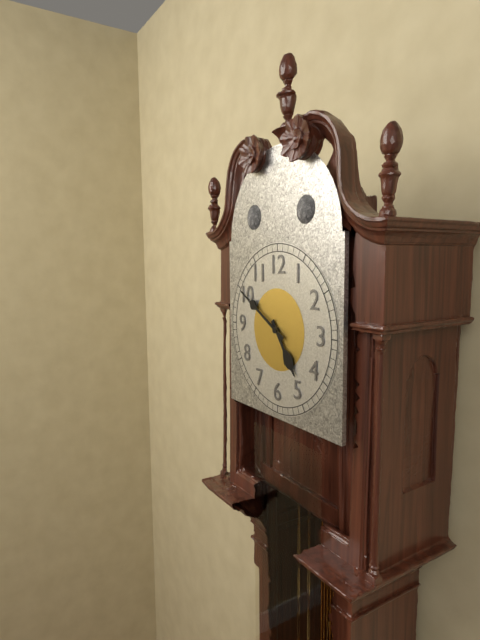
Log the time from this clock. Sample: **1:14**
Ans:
**4:50**
